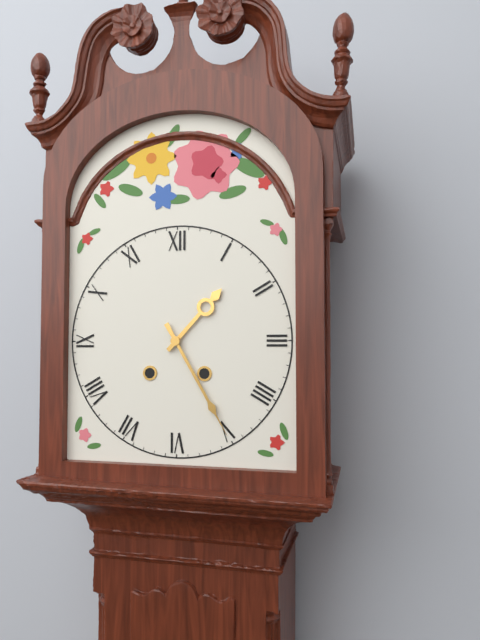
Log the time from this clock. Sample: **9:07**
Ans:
**1:25**
